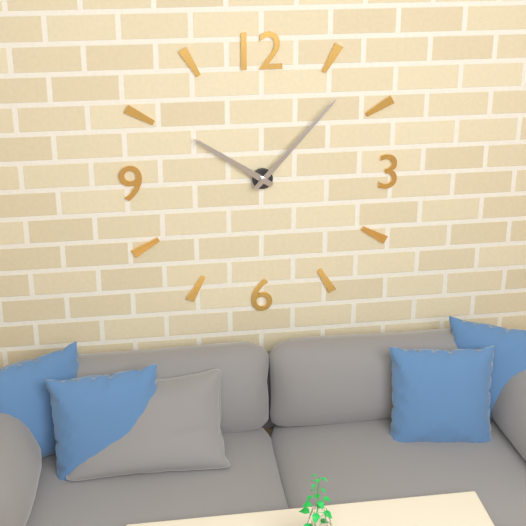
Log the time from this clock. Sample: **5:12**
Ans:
**10:07**
